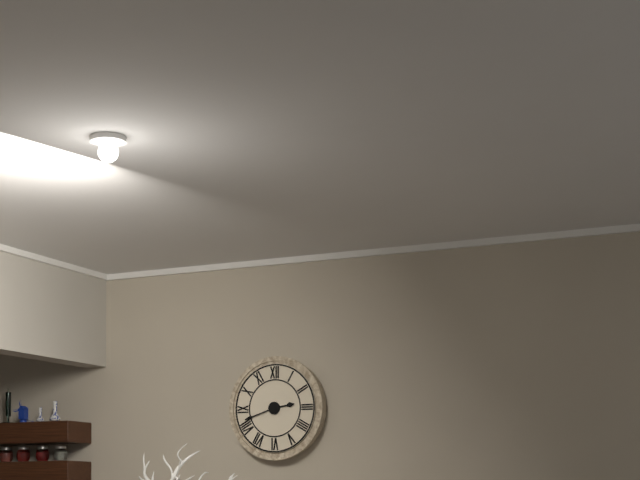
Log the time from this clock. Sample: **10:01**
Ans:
**2:42**
